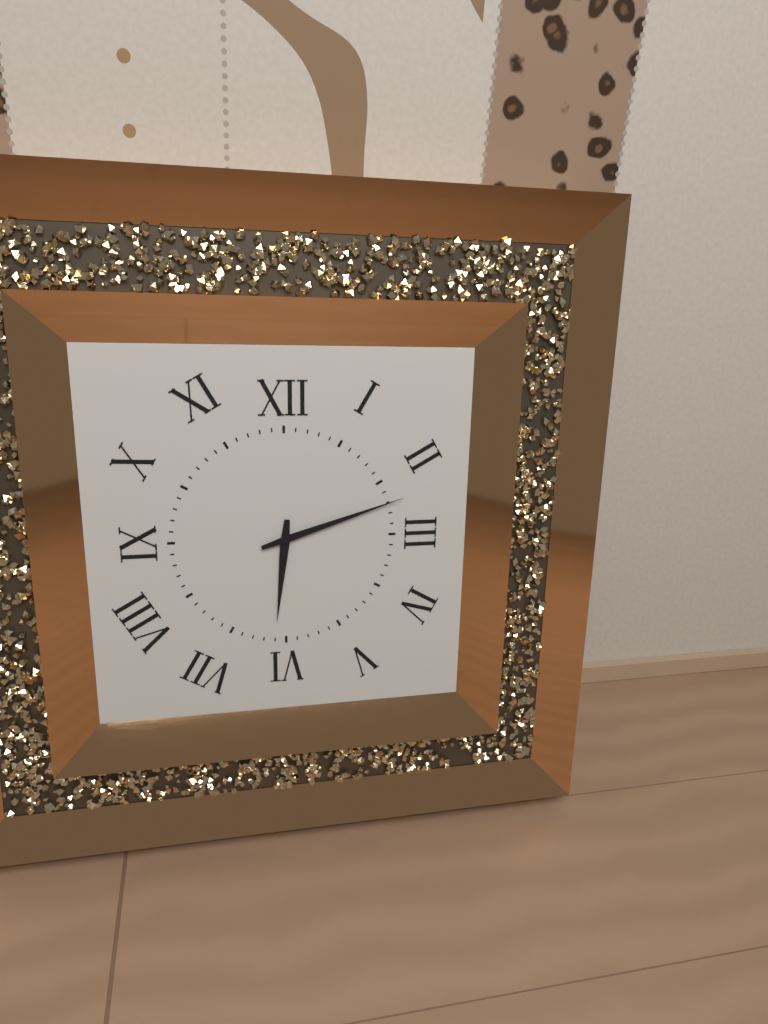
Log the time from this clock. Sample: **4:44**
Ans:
**6:12**
